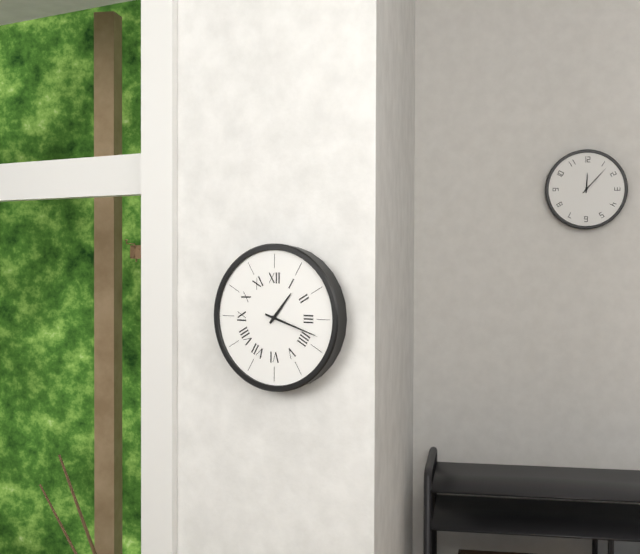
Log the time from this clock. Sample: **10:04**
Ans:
**1:18**
